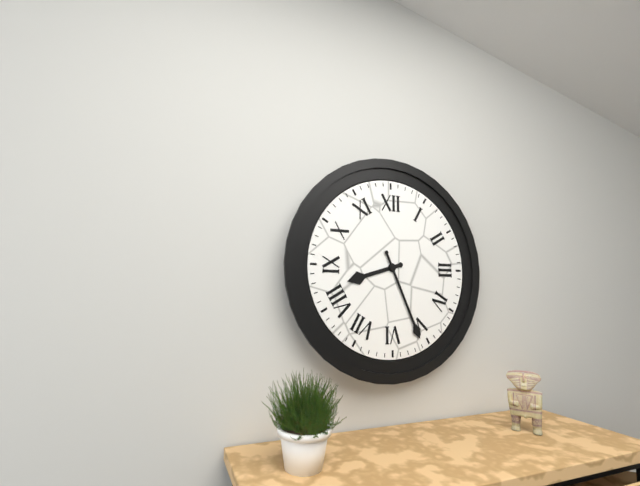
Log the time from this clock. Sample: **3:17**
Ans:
**8:26**
